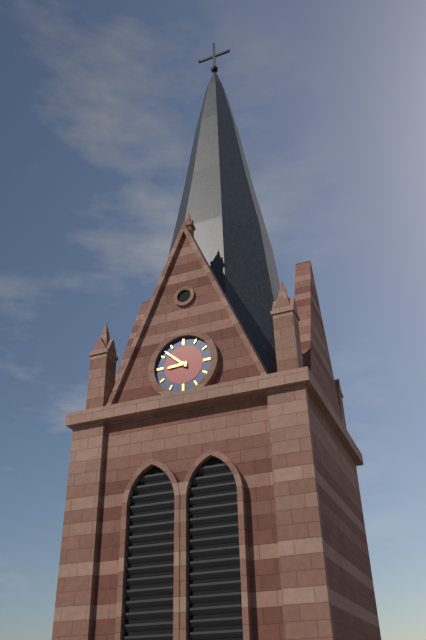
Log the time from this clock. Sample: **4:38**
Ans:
**8:52**
